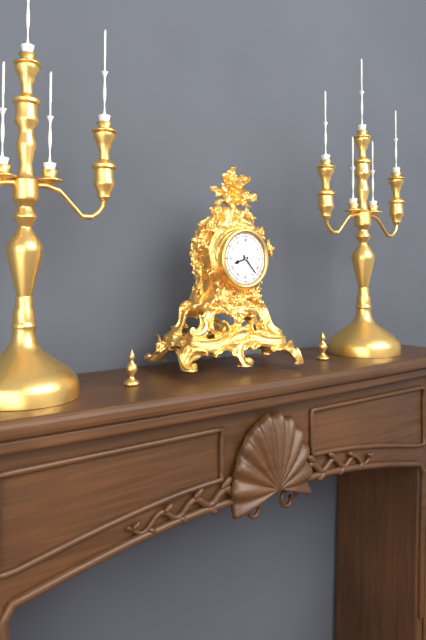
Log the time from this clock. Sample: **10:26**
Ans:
**8:23**
